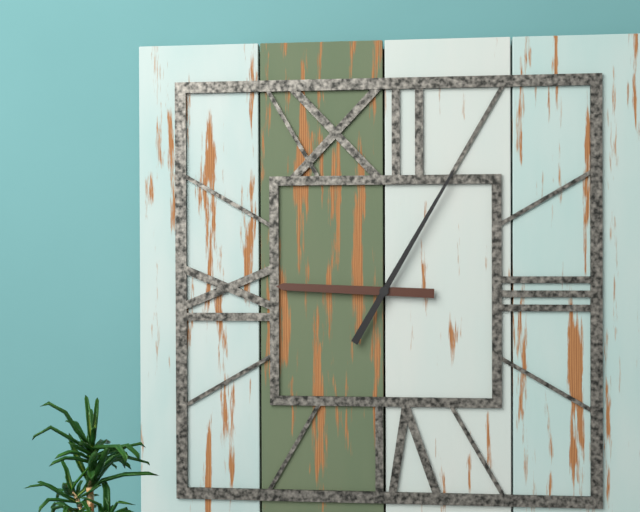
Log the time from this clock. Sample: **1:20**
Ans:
**9:05**
